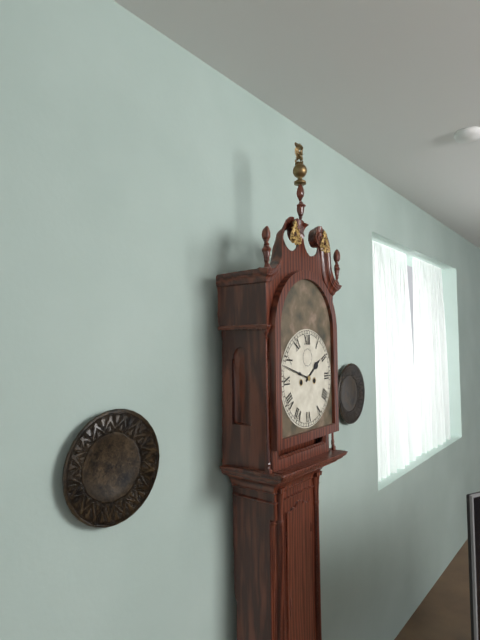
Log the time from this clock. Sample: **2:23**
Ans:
**1:48**
